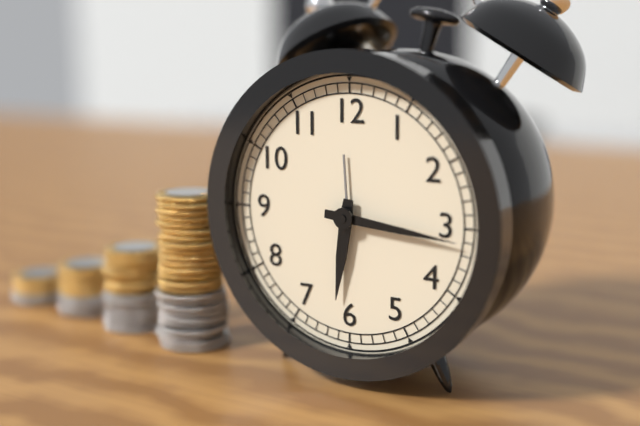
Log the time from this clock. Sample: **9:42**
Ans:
**6:16**
